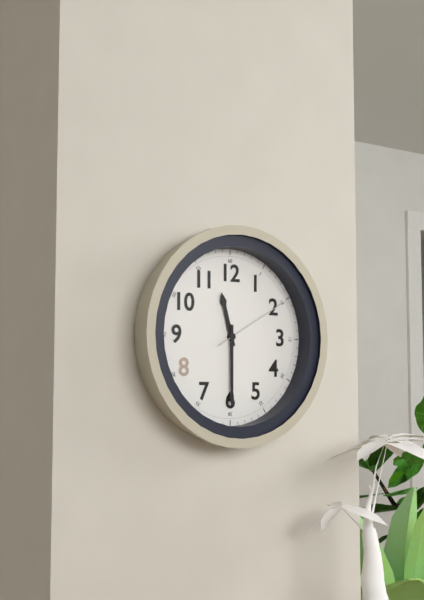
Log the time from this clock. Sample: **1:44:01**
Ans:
**11:30:10**
